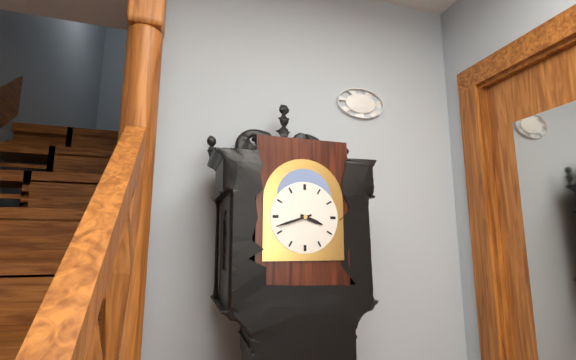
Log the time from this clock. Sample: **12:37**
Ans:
**3:42**
